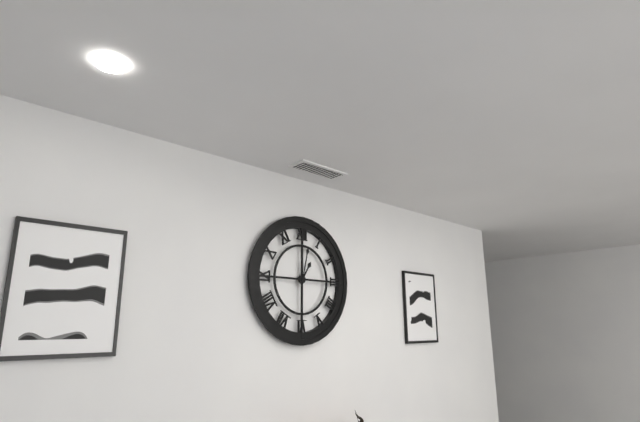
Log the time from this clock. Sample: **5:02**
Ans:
**1:02**
